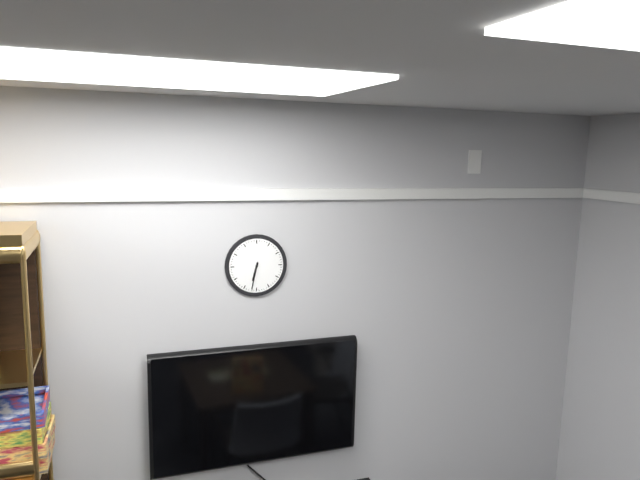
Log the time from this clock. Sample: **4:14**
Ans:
**6:32**
